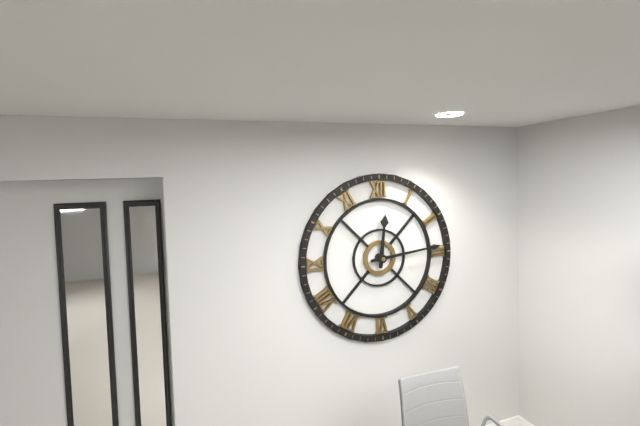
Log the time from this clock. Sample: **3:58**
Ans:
**12:14**
